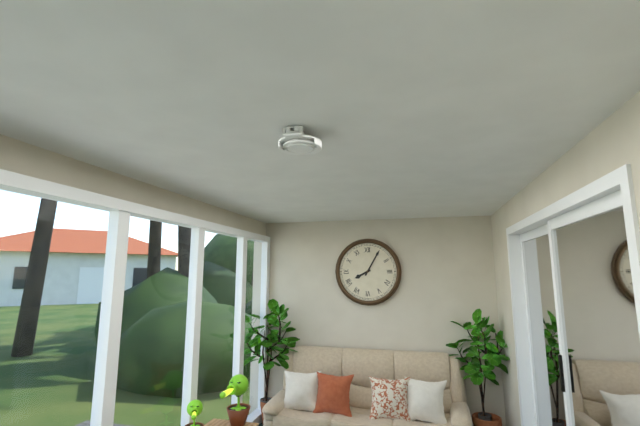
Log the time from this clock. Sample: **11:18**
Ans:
**8:05**
